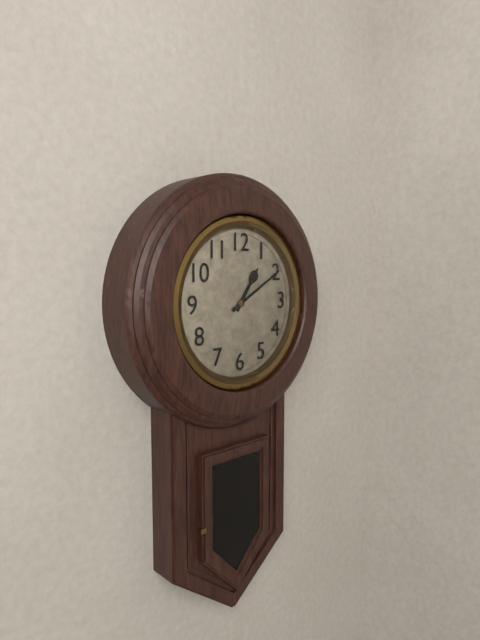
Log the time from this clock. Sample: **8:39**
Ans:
**1:10**
